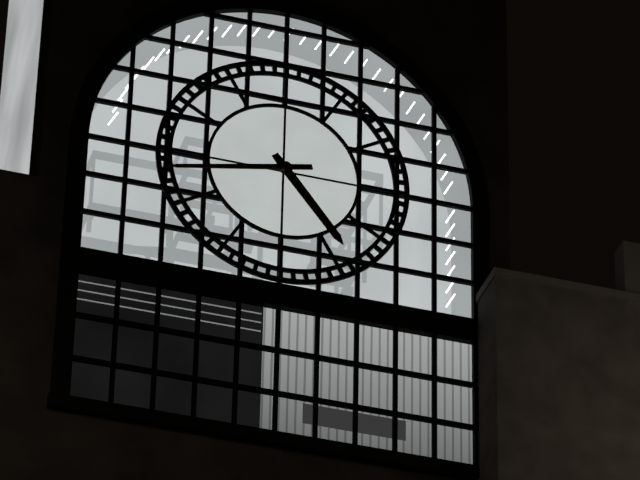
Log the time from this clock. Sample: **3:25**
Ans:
**4:43**
